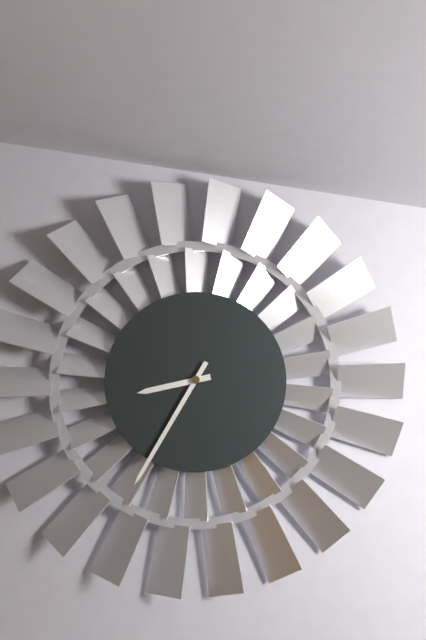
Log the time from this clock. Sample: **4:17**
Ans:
**8:35**
